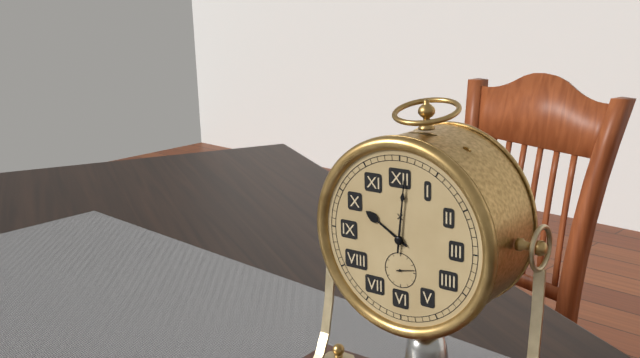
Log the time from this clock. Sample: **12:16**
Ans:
**10:01**
